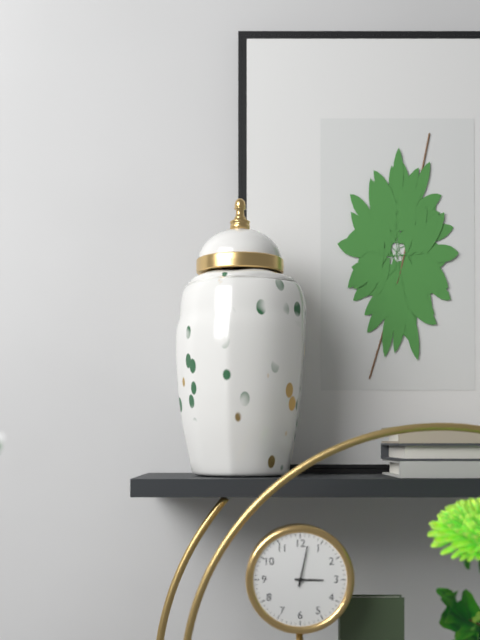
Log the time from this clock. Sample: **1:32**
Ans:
**3:02**
